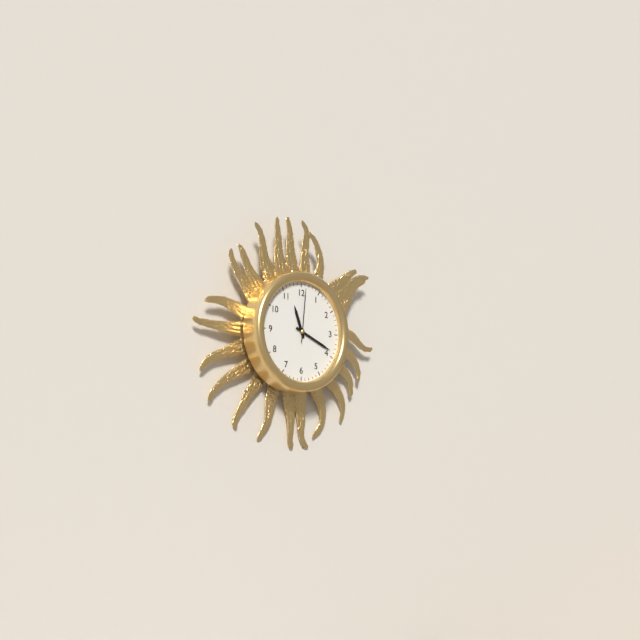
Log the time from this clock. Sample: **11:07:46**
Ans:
**11:19:01**
